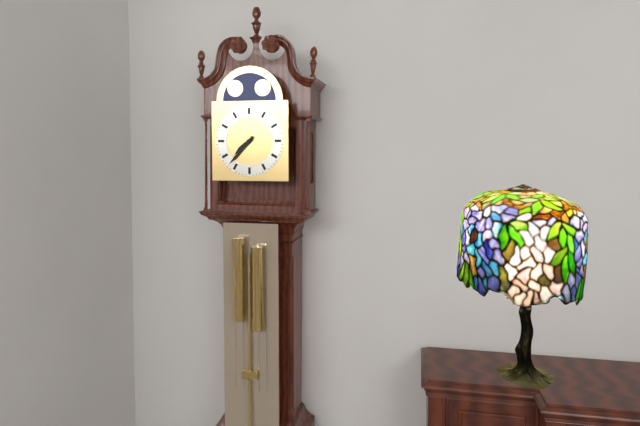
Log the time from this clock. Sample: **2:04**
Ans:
**7:37**
